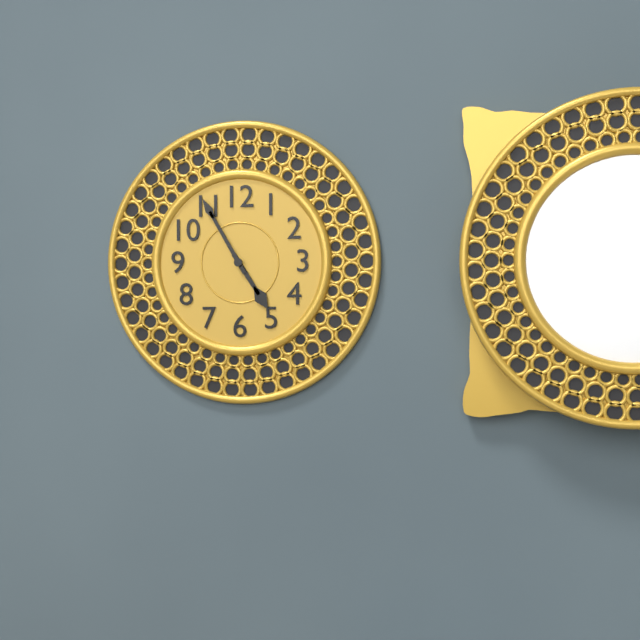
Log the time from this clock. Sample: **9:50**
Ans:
**4:55**
